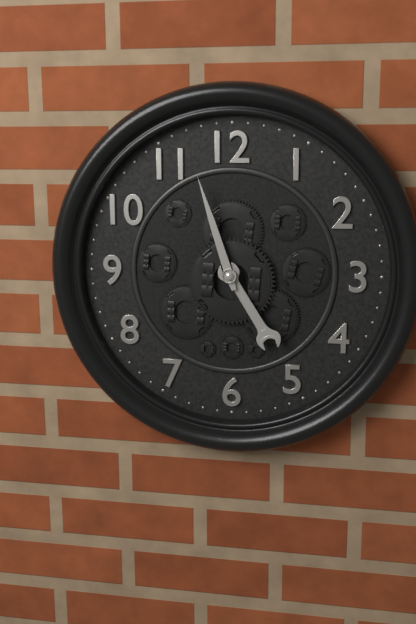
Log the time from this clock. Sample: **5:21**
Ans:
**4:57**
